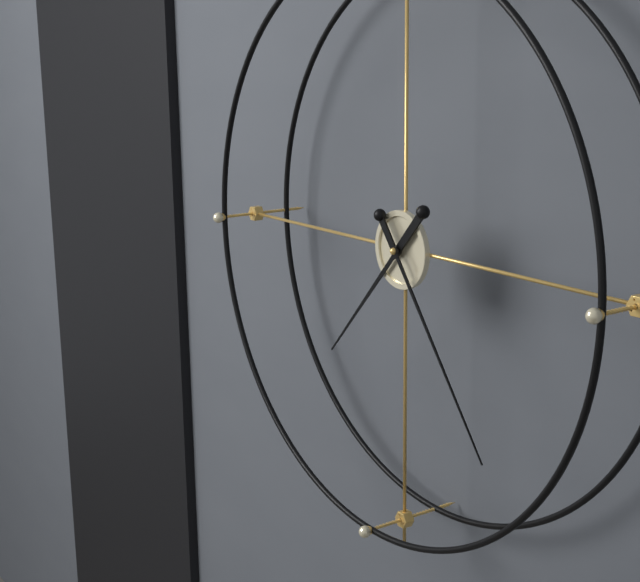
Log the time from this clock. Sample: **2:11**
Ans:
**7:24**
